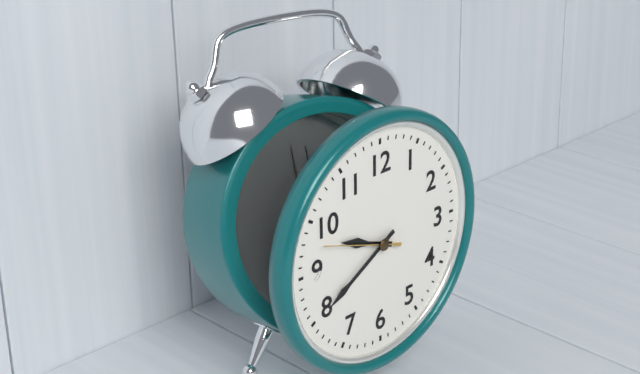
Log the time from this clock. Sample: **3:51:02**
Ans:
**9:40:48**
